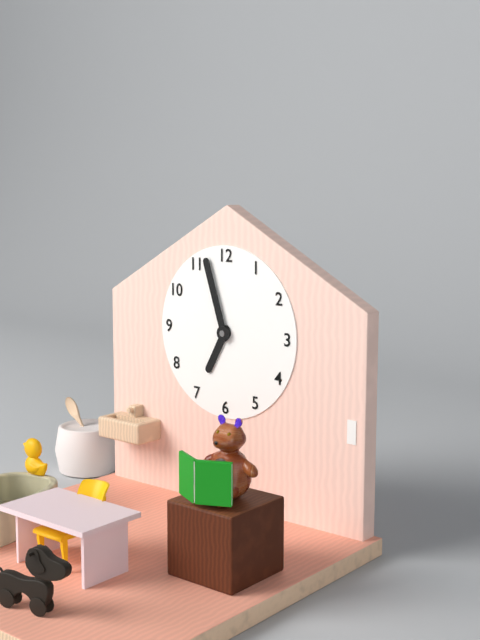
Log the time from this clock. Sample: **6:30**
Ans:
**6:57**
